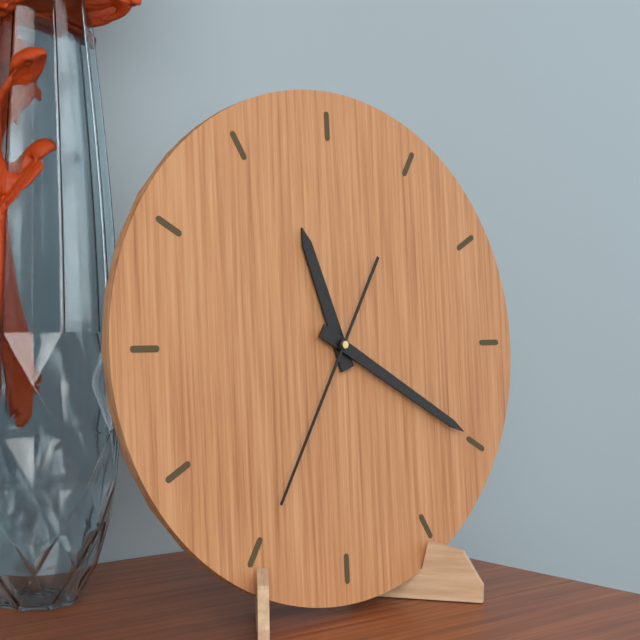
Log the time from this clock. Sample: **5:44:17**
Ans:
**11:20:35**
